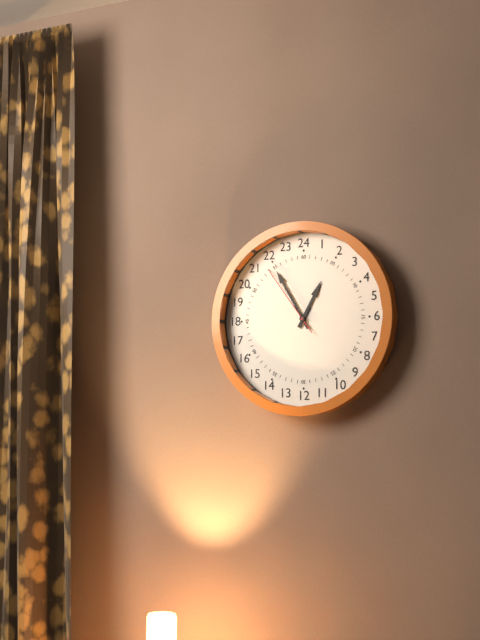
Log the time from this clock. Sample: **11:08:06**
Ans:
**12:55:54**
